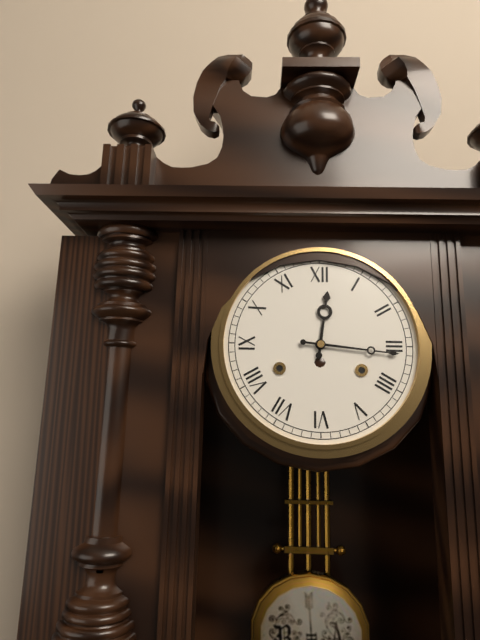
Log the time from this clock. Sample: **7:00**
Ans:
**12:16**
